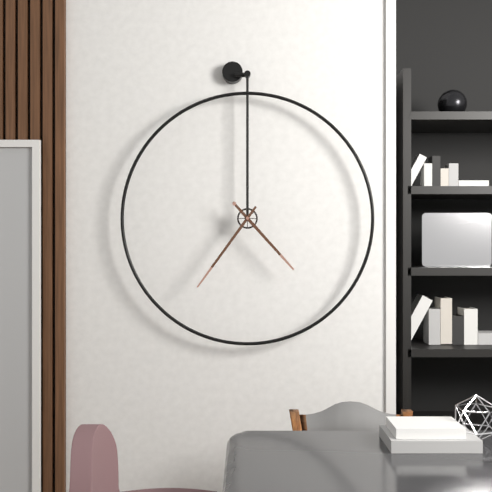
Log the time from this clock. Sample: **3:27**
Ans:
**4:36**
